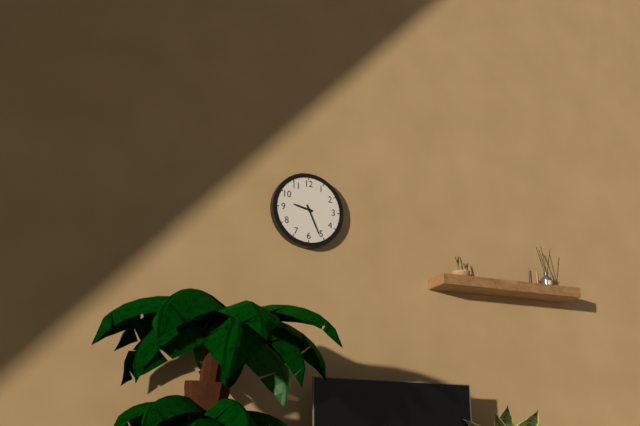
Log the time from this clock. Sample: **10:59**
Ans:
**9:26**
